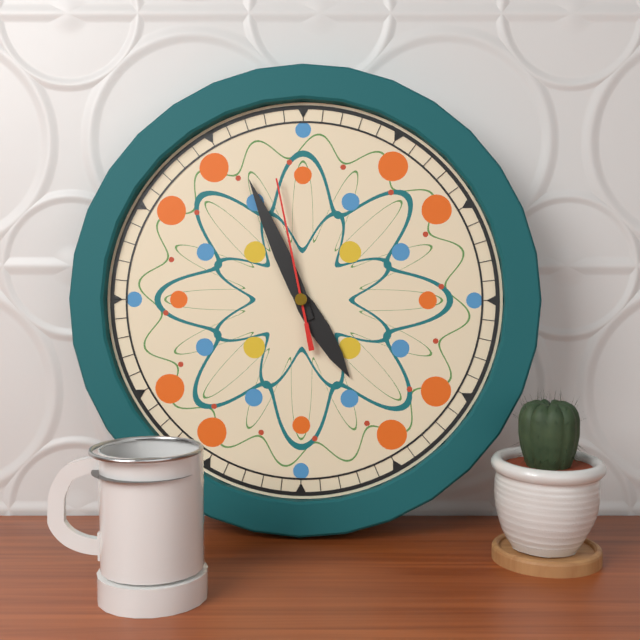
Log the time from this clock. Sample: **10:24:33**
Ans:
**4:56:58**
